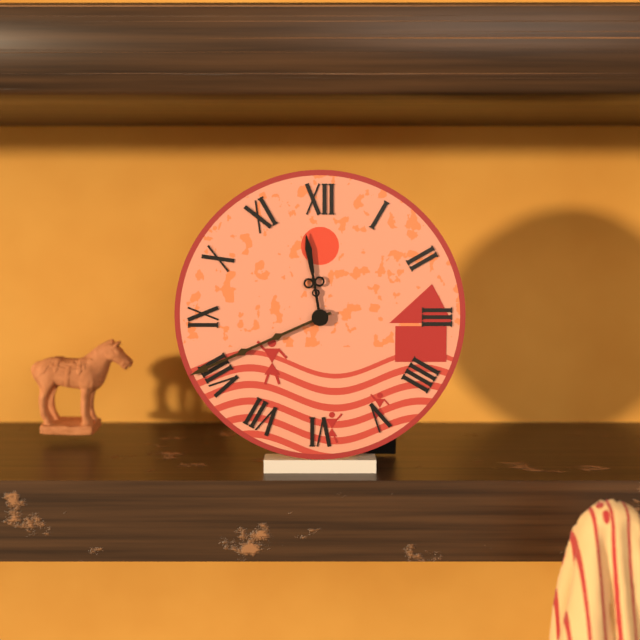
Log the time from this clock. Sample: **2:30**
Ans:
**11:41**
